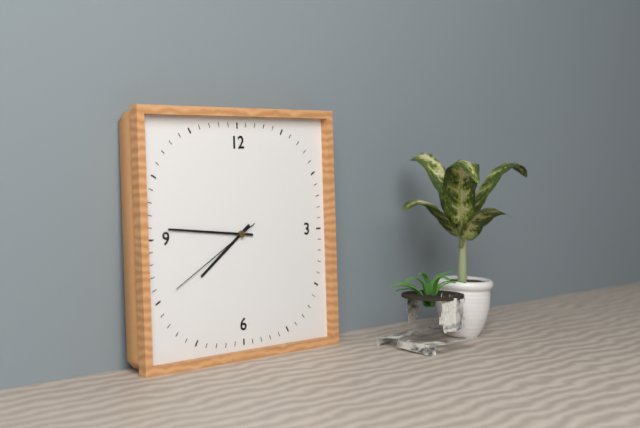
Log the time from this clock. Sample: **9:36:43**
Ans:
**7:46:40**
